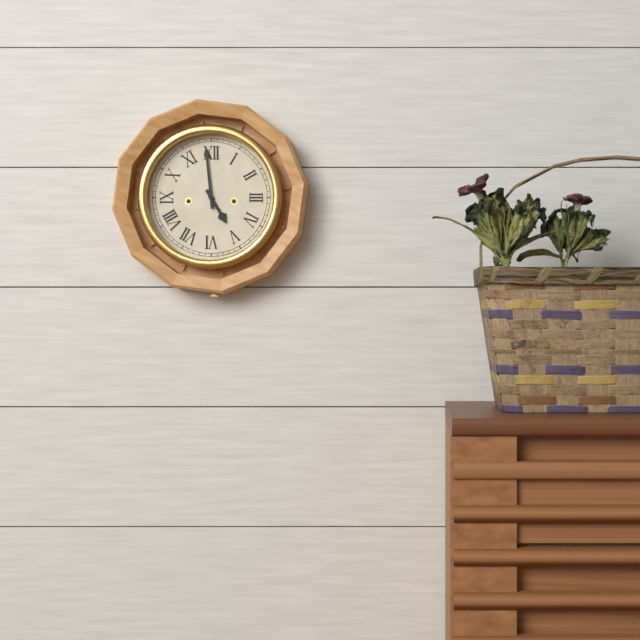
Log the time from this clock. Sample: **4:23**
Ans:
**4:59**
